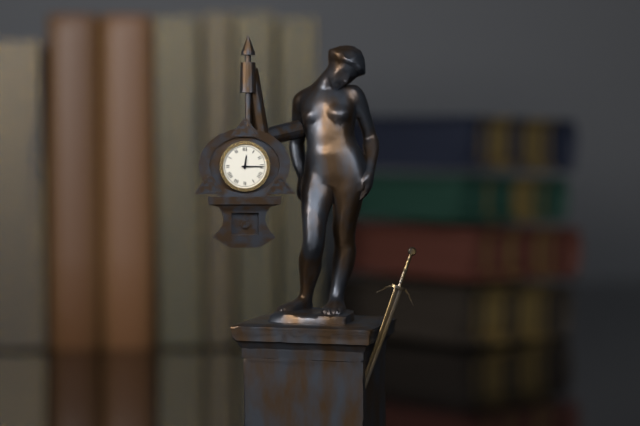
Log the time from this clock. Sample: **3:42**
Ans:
**12:15**
